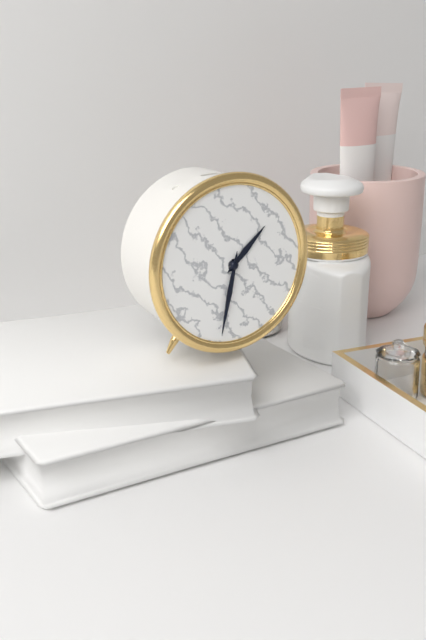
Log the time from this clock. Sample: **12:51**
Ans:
**1:32**
